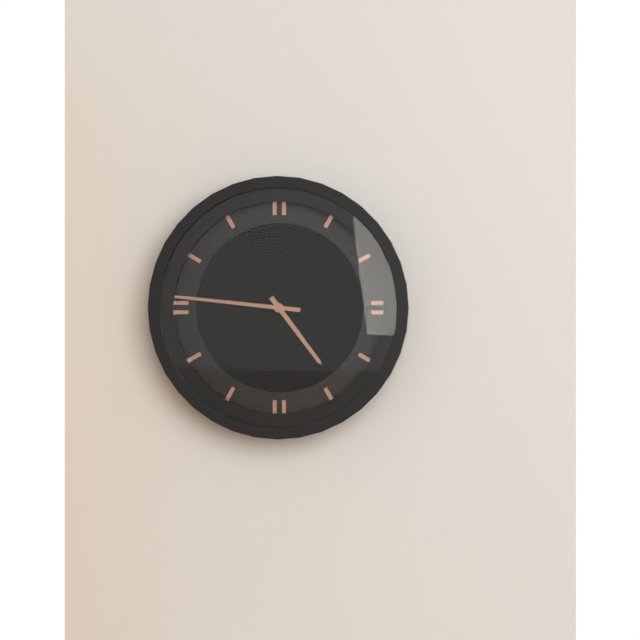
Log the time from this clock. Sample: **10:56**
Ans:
**4:46**
